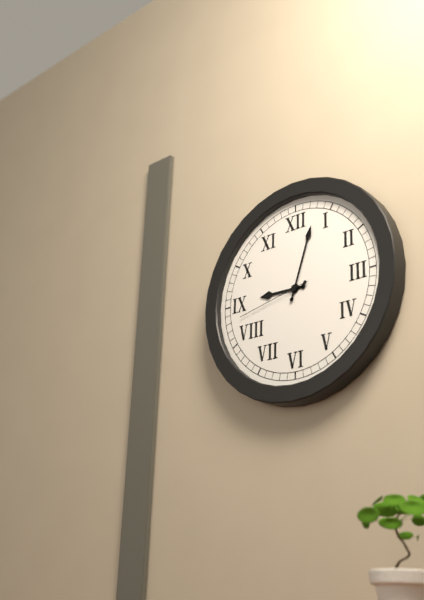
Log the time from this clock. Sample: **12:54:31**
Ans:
**9:03:43**
